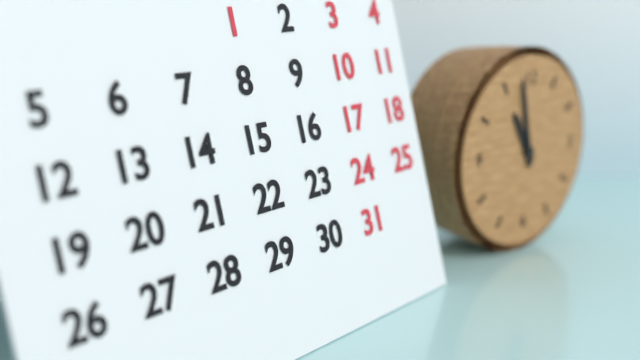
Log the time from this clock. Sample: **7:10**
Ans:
**10:58**
